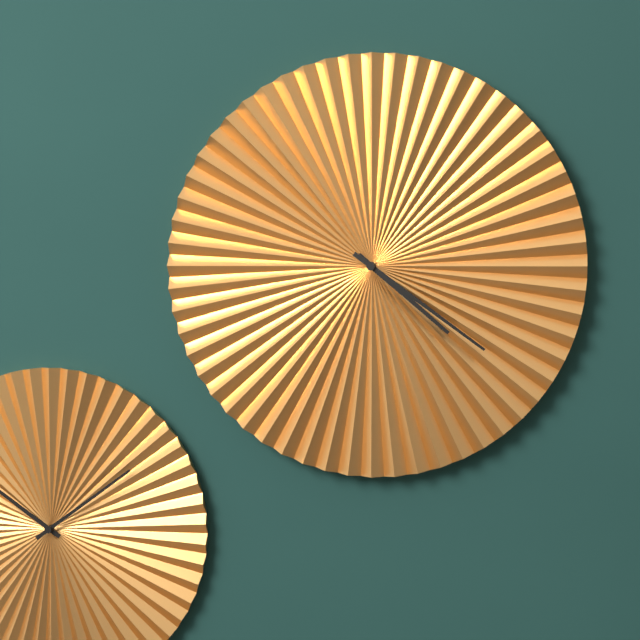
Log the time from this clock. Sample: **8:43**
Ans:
**4:21**
